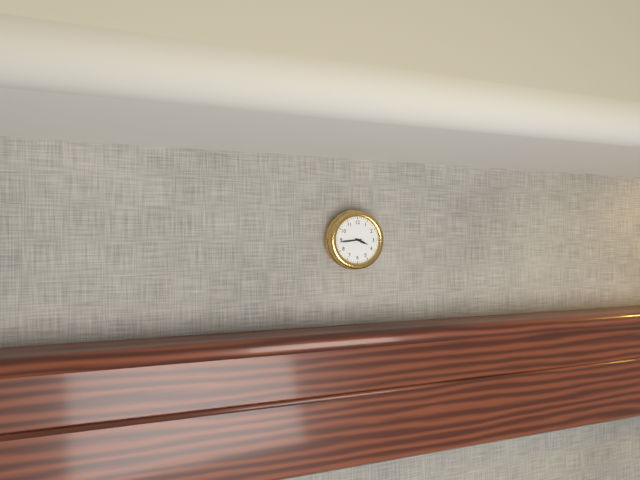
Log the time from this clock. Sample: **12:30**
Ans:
**3:44**
